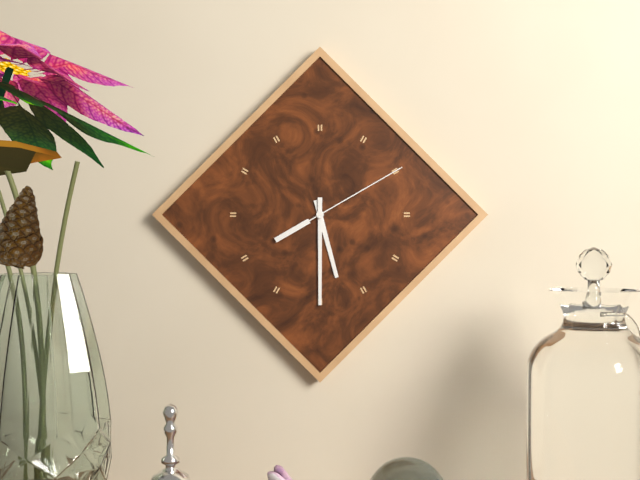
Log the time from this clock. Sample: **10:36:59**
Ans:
**5:30:10**
